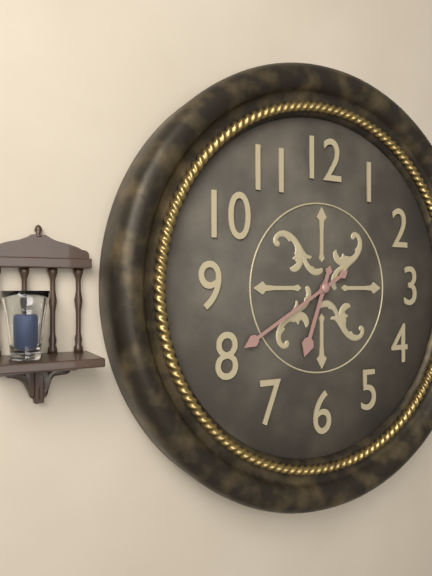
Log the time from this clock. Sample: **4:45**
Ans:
**6:40**
